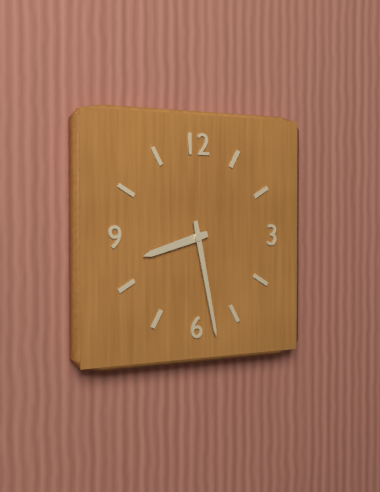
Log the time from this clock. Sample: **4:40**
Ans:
**8:28**
